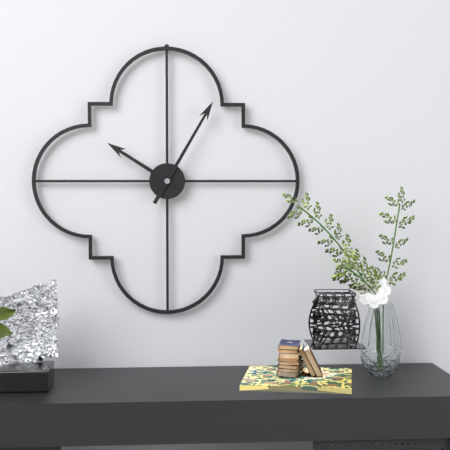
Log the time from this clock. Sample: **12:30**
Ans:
**10:05**
